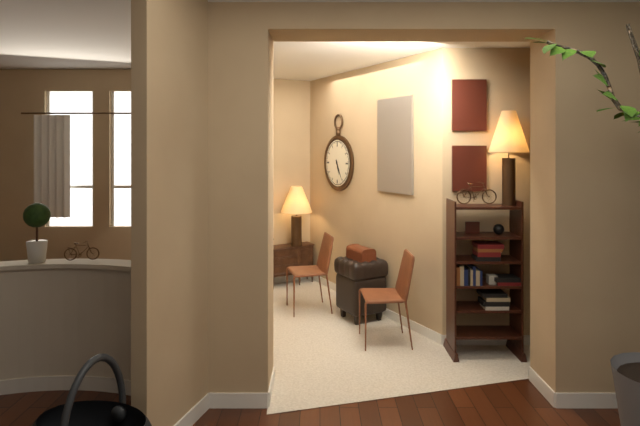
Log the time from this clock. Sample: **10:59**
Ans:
**5:25**
